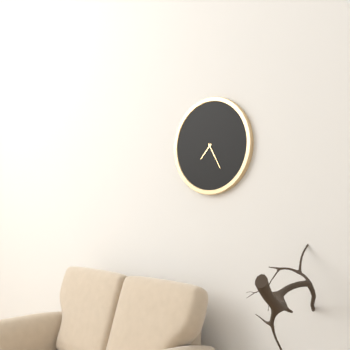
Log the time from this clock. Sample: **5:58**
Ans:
**7:25**
